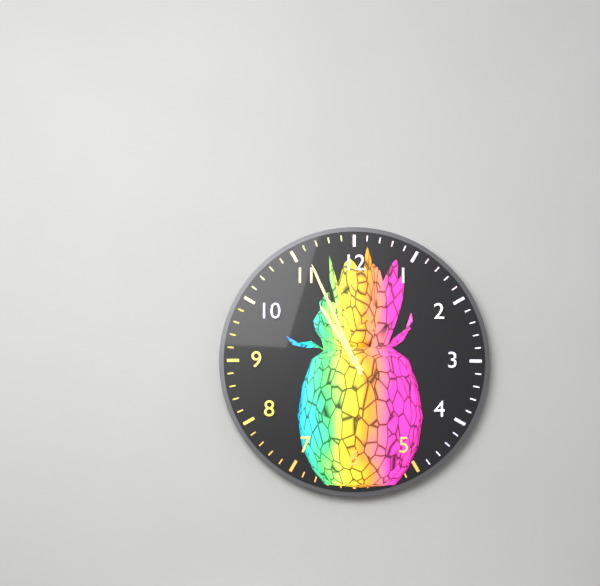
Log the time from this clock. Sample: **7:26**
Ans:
**10:56**
